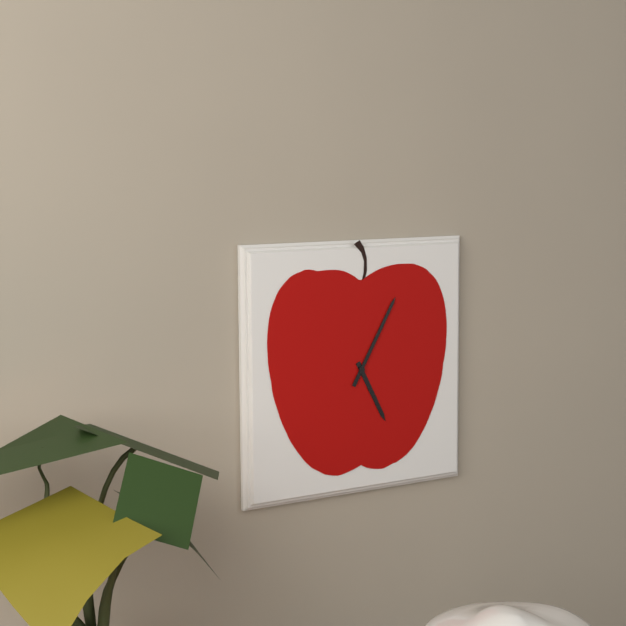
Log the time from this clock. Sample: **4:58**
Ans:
**5:05**
